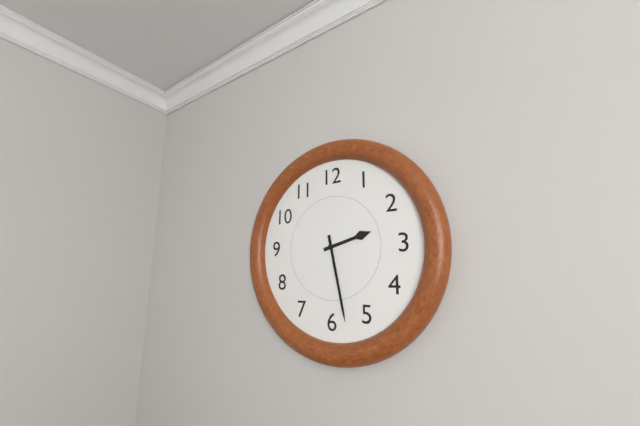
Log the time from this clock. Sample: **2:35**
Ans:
**2:28**
